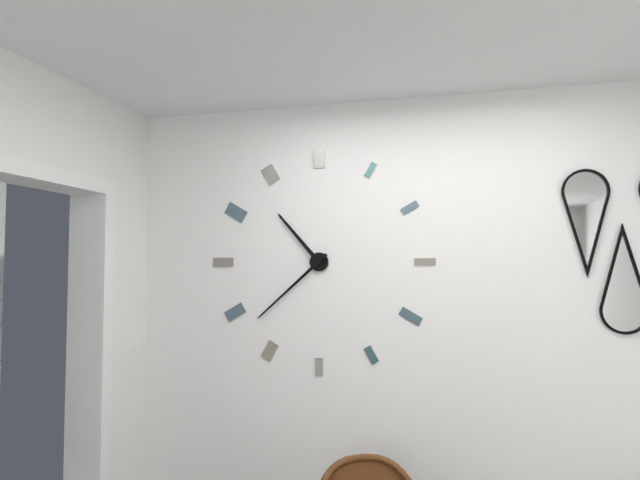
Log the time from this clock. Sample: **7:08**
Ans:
**10:38**
